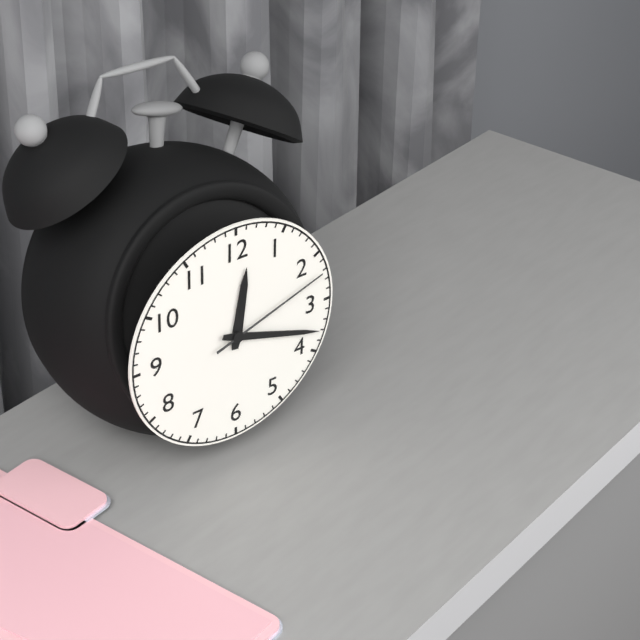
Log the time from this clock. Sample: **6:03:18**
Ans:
**12:18:12**
